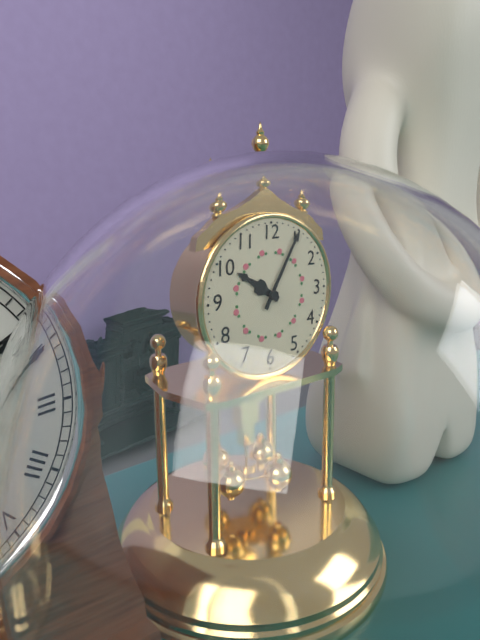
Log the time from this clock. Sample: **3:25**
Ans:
**10:05**
